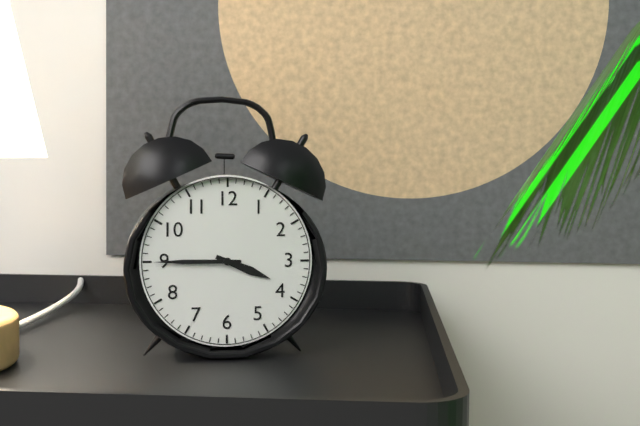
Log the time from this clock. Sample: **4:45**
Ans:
**3:45**
